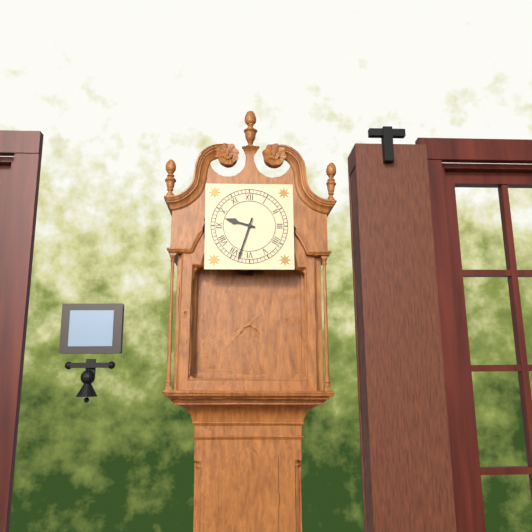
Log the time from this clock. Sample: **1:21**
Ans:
**9:33**
